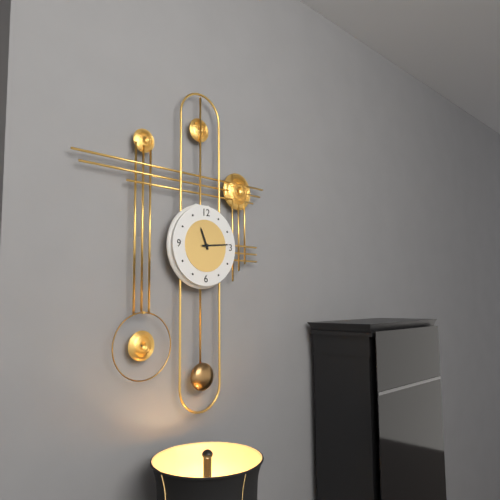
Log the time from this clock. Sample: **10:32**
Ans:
**11:14**
